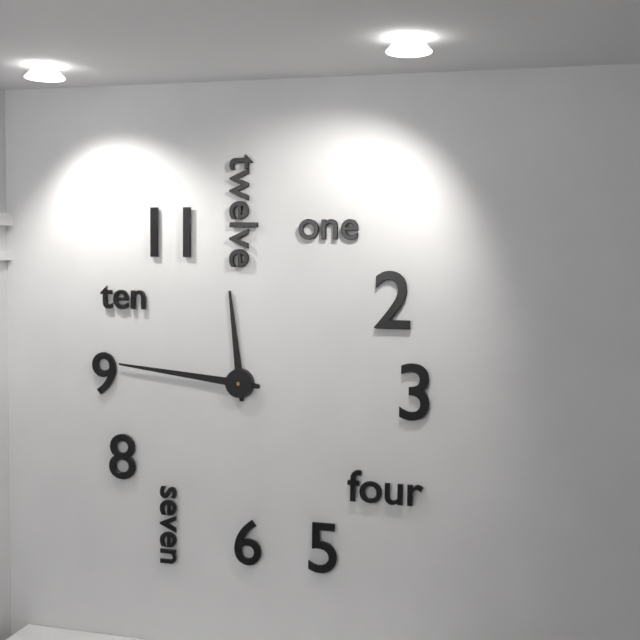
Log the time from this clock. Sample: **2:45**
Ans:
**11:46**
